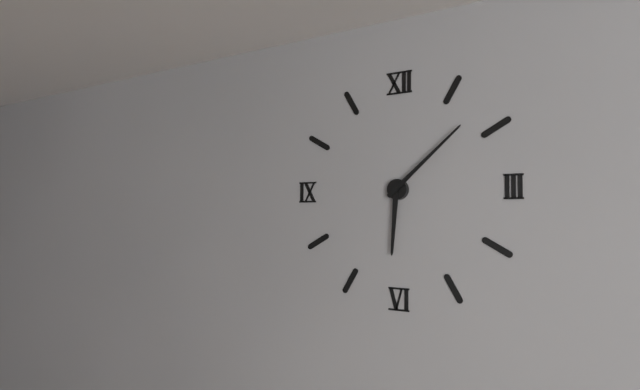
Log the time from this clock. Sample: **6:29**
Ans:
**6:08**
